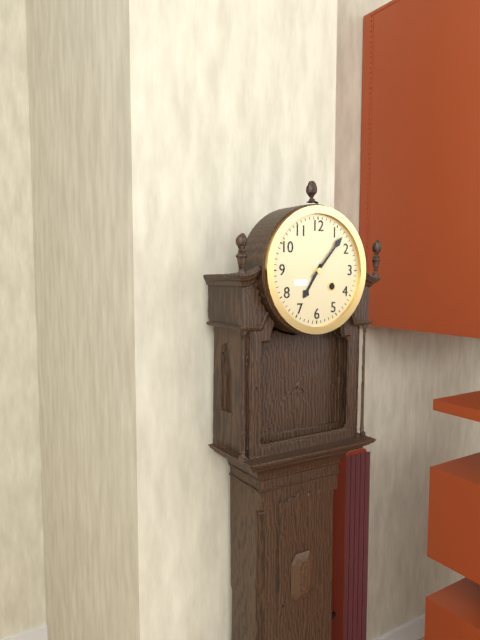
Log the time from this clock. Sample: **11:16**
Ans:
**7:07**
